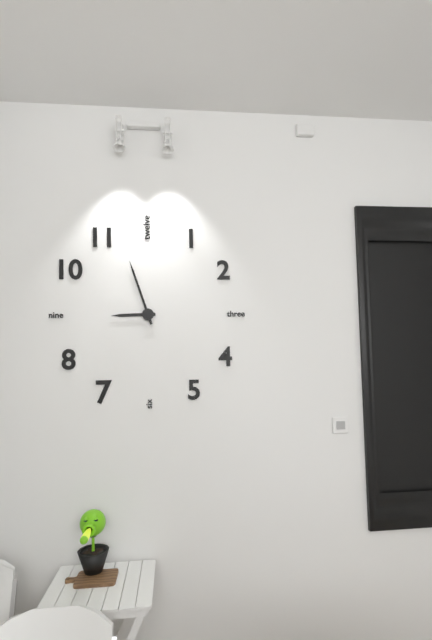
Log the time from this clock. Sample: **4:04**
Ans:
**8:57**
